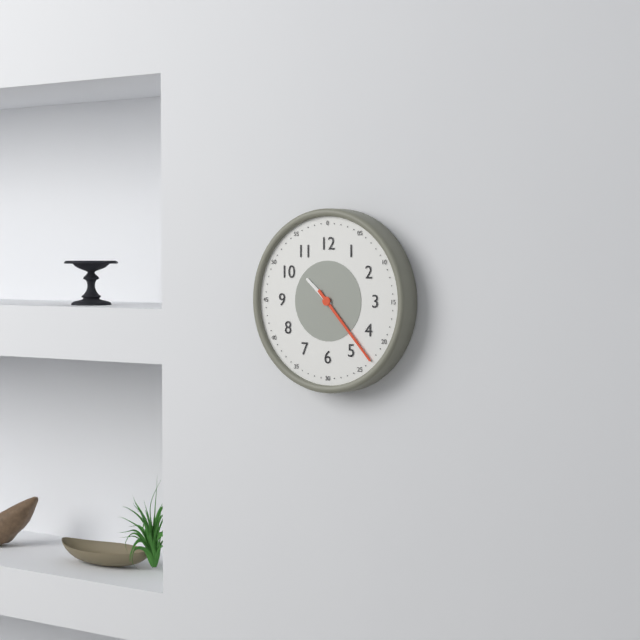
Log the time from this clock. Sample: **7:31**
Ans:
**10:23**
